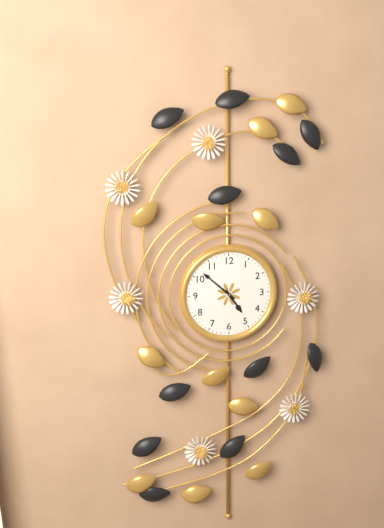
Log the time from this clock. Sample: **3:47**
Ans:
**4:52**
